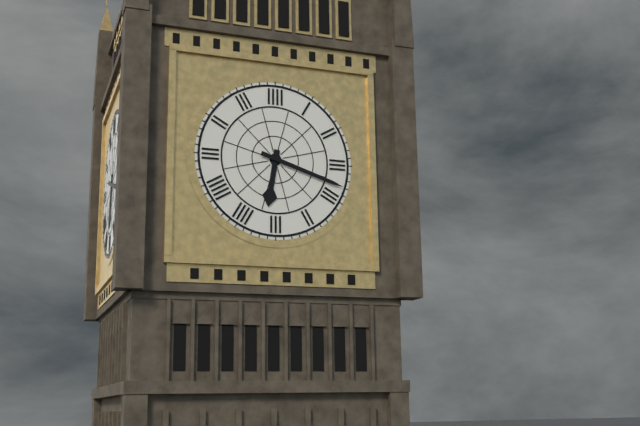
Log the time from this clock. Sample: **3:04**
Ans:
**6:18**
